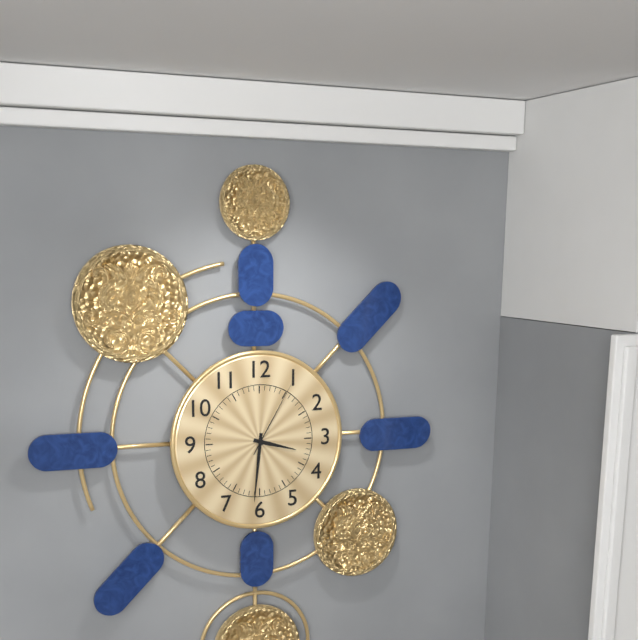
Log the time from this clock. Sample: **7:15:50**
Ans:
**3:31:05**
